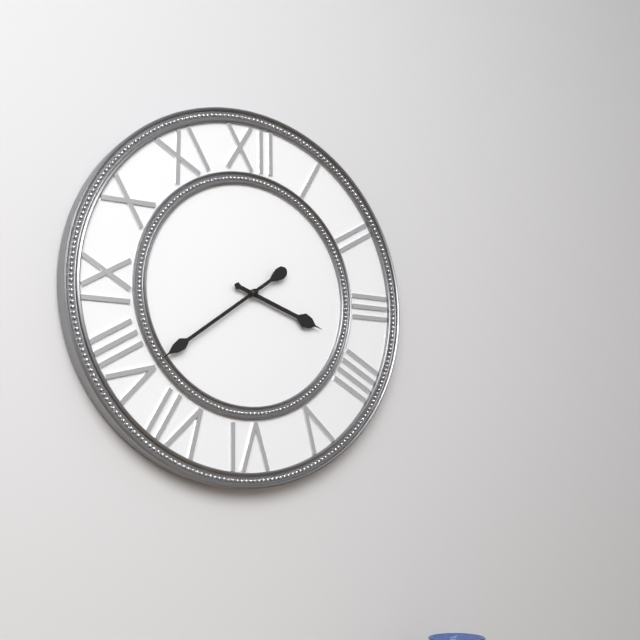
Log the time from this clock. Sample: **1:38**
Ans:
**3:39**
